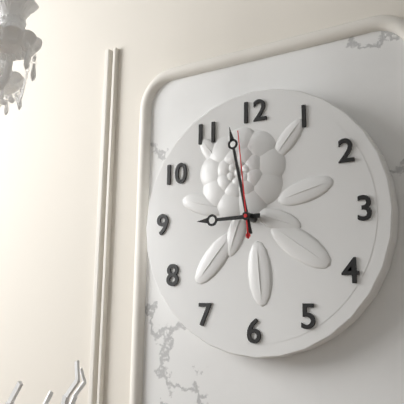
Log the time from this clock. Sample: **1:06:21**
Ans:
**8:58:59**
